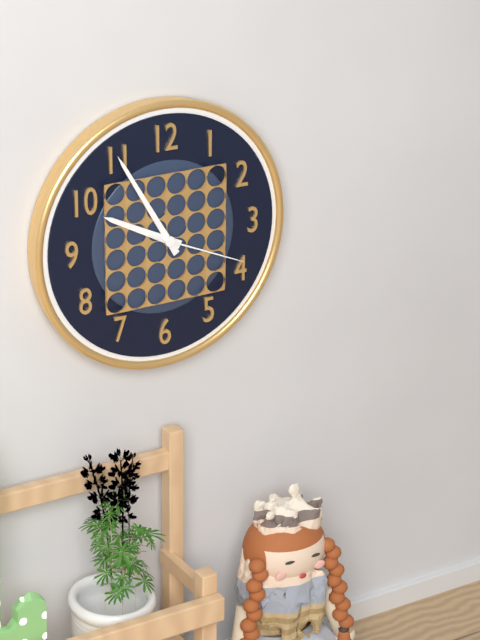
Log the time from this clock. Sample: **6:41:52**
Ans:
**9:55:19**
